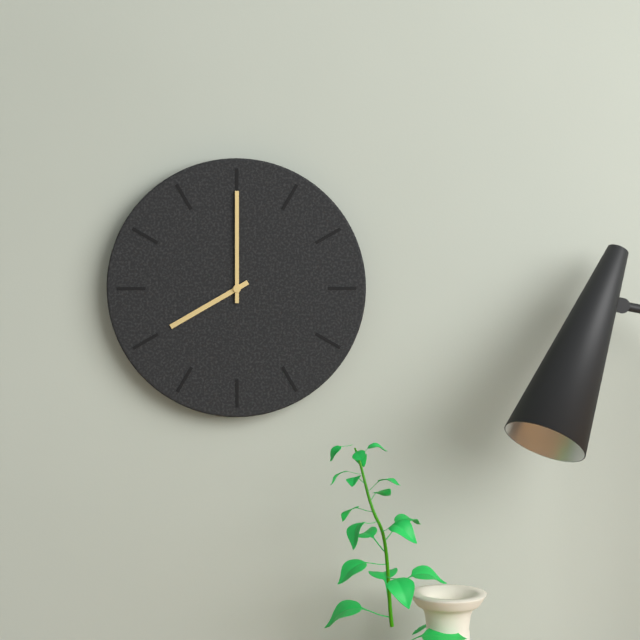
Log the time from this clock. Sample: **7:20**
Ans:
**8:00**
